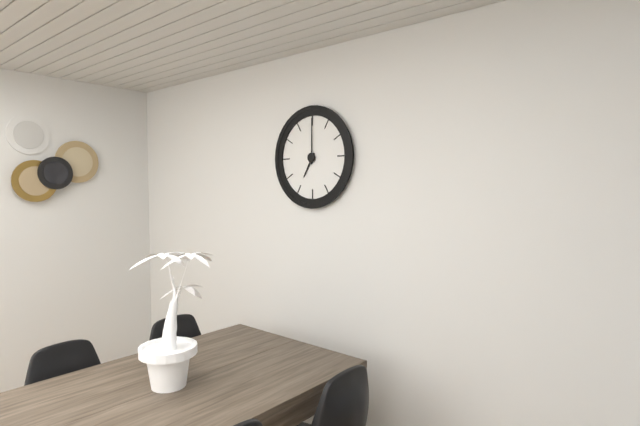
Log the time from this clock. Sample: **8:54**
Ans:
**7:00**
